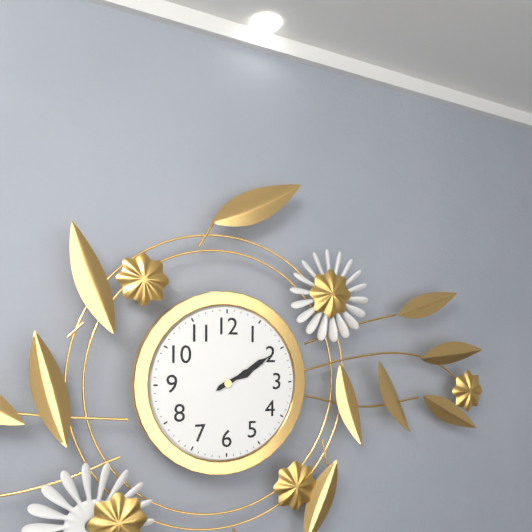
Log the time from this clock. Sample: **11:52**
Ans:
**2:10**
